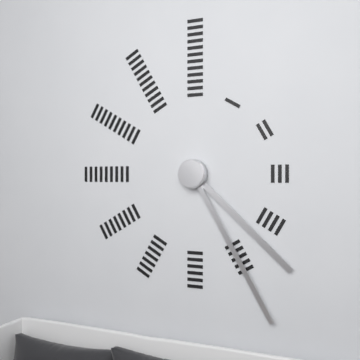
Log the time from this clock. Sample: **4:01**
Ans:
**4:25**
